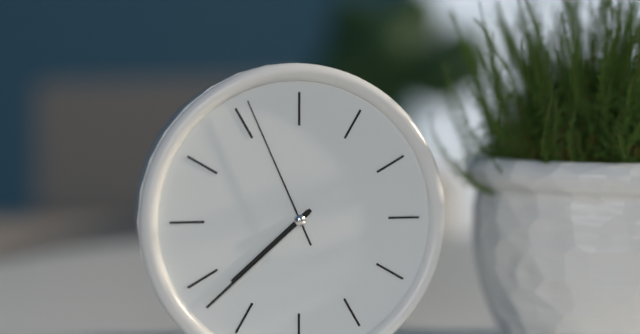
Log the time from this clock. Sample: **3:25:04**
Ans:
**7:38:56**
